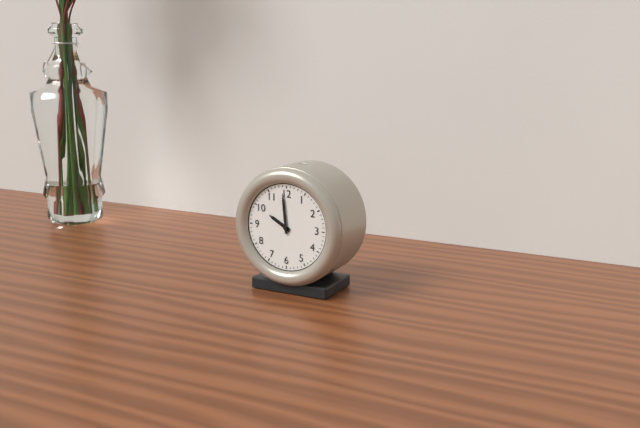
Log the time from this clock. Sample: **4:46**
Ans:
**9:59**
